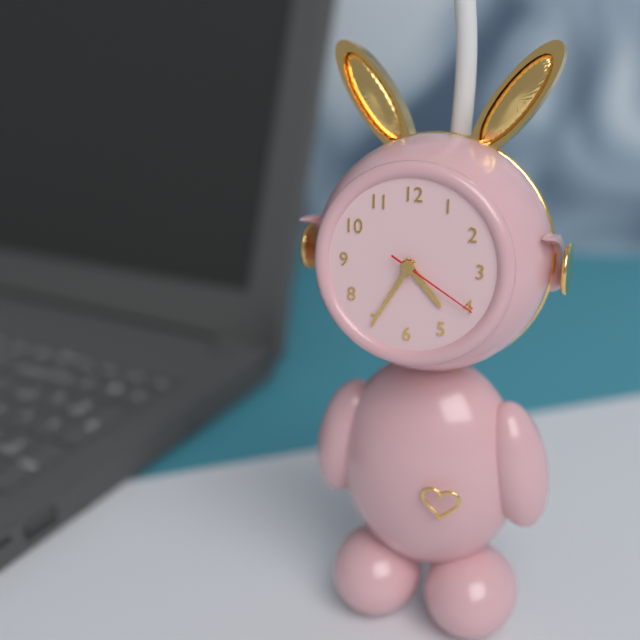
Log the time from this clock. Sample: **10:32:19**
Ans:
**4:35:20**
